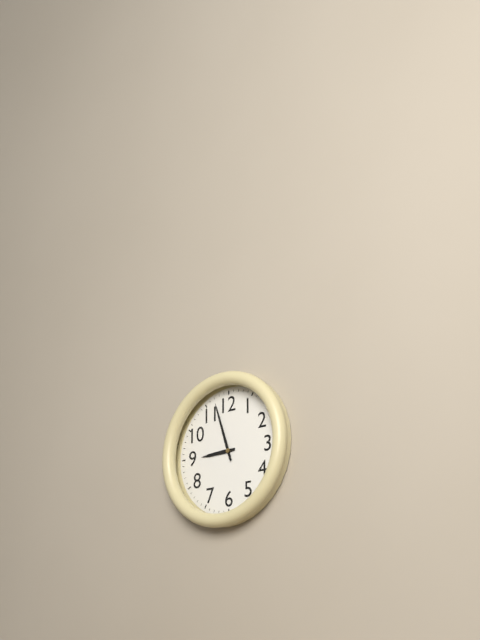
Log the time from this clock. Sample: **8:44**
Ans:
**8:57**
